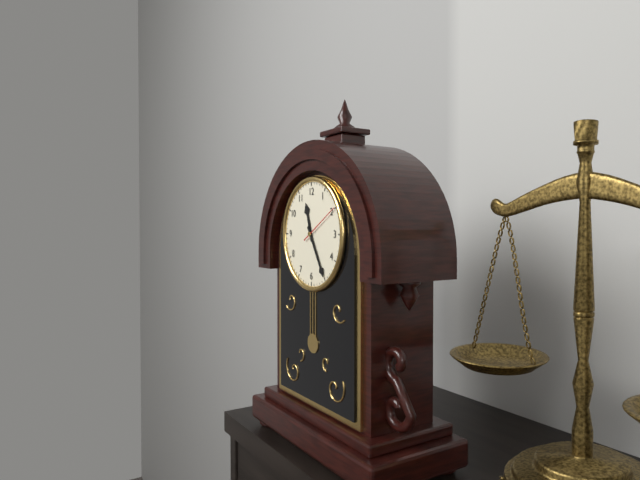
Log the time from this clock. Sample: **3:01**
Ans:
**11:25**
